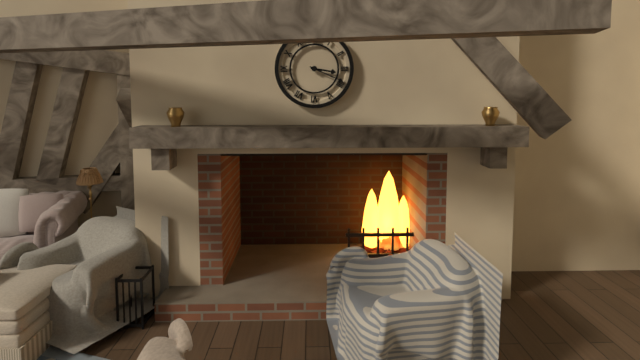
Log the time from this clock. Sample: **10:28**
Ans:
**3:19**
